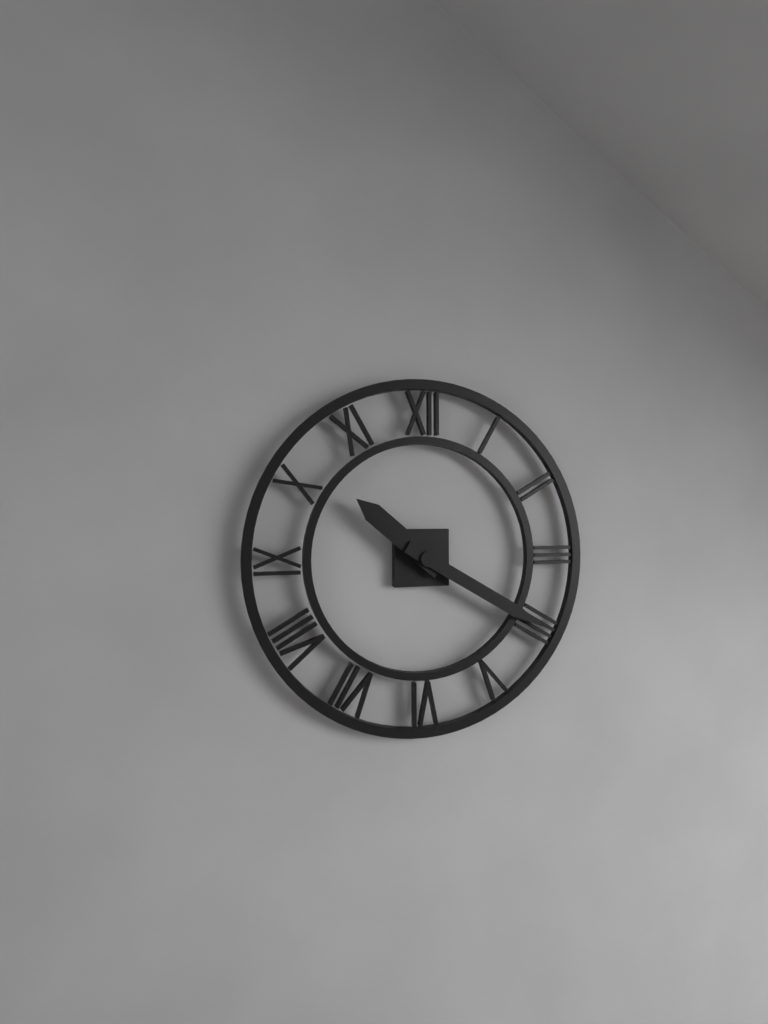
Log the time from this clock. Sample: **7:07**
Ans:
**10:20**
